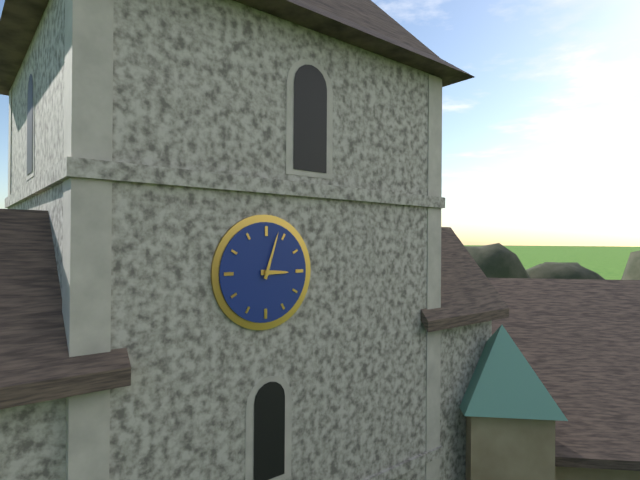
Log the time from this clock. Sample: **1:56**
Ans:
**3:03**
